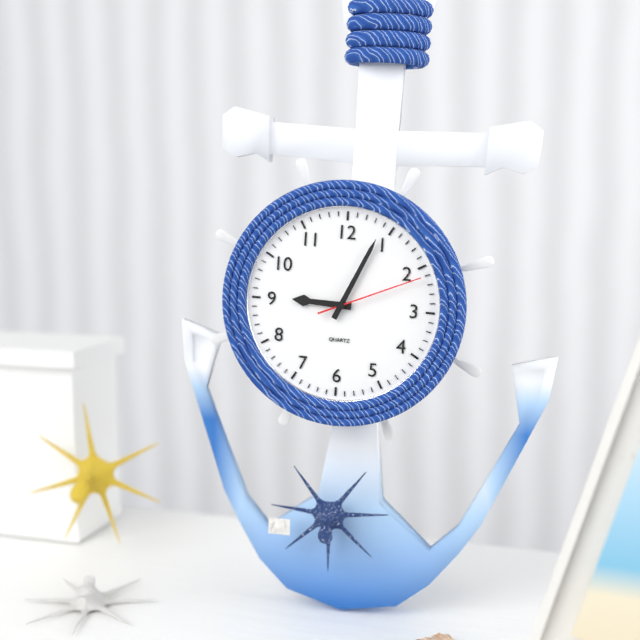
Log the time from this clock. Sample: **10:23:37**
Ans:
**9:04:11**
